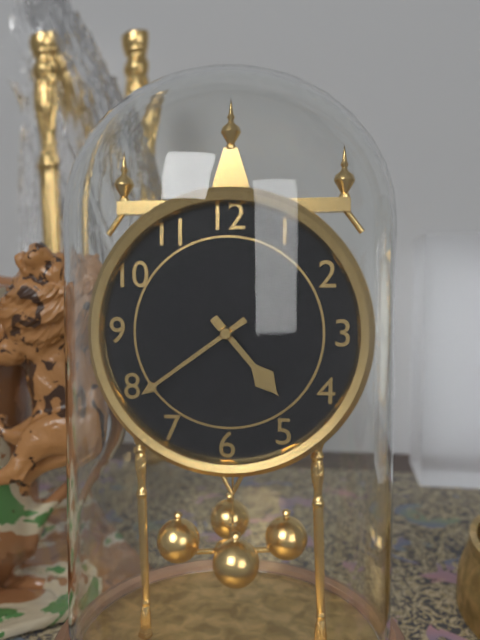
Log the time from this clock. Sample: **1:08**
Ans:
**4:39**
